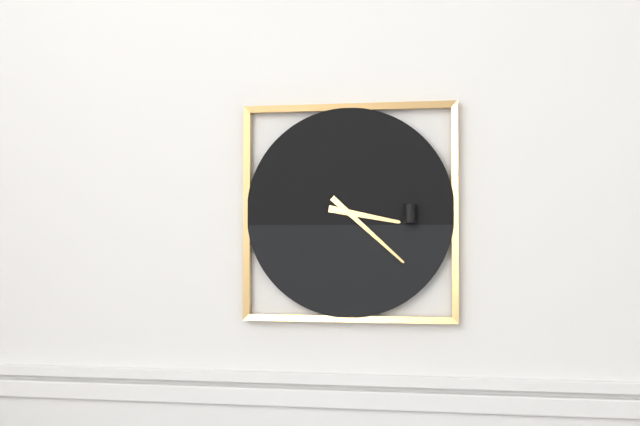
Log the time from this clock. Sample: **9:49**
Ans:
**3:22**
